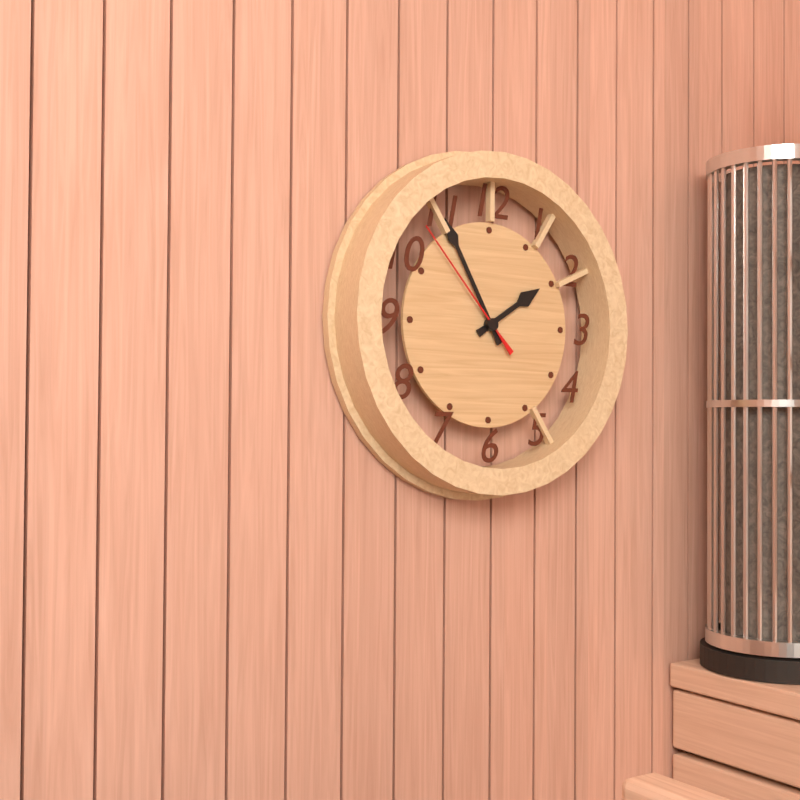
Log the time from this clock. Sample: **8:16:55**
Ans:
**1:55:53**
